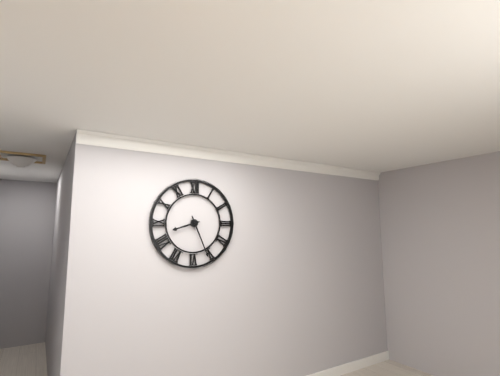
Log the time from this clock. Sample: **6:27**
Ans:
**8:26**
